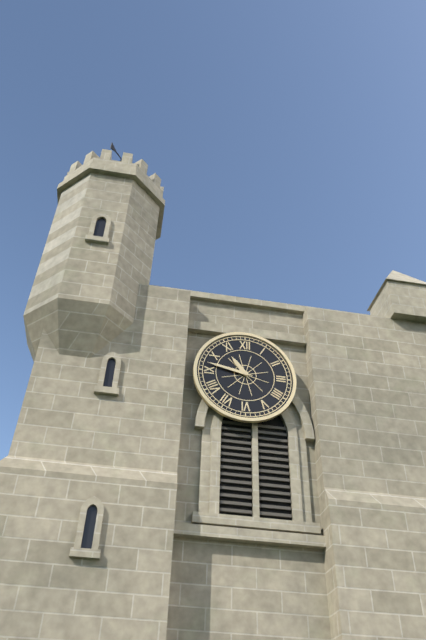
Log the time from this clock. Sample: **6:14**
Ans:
**10:47**
